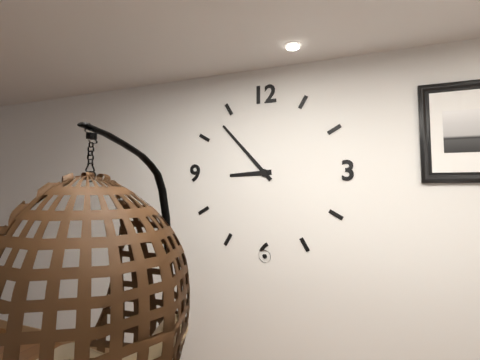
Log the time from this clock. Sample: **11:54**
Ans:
**8:53**
